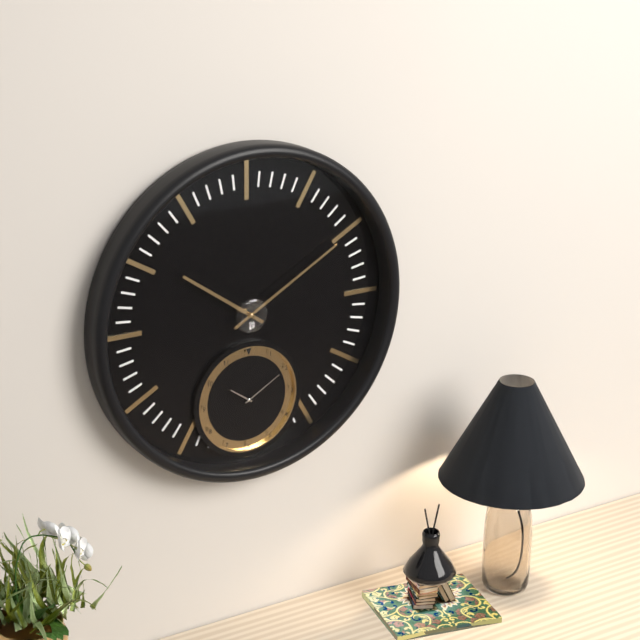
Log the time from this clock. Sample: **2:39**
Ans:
**10:10**
